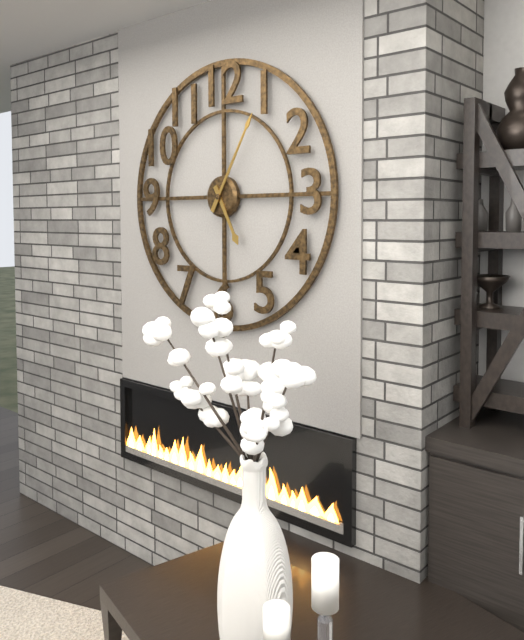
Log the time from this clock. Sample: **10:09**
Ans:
**5:05**
